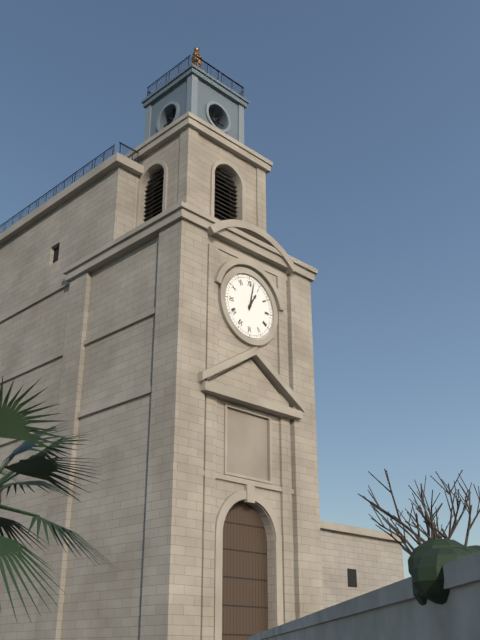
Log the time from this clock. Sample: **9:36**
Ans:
**1:02**
